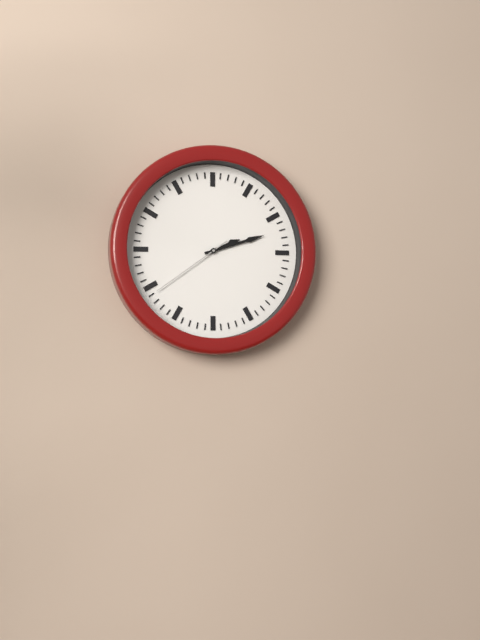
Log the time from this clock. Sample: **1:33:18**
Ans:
**2:12:39**
